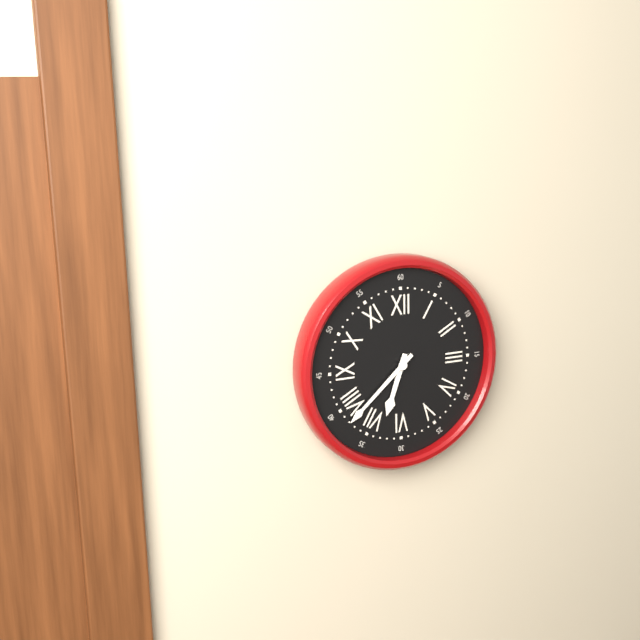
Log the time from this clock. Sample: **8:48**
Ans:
**6:38**
